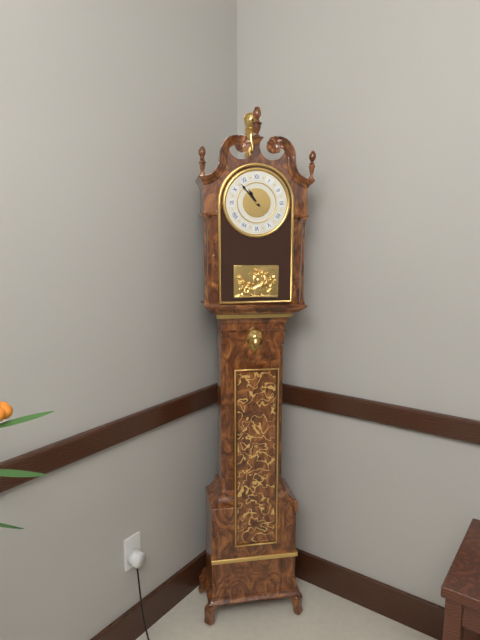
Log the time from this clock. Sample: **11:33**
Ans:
**10:53**
